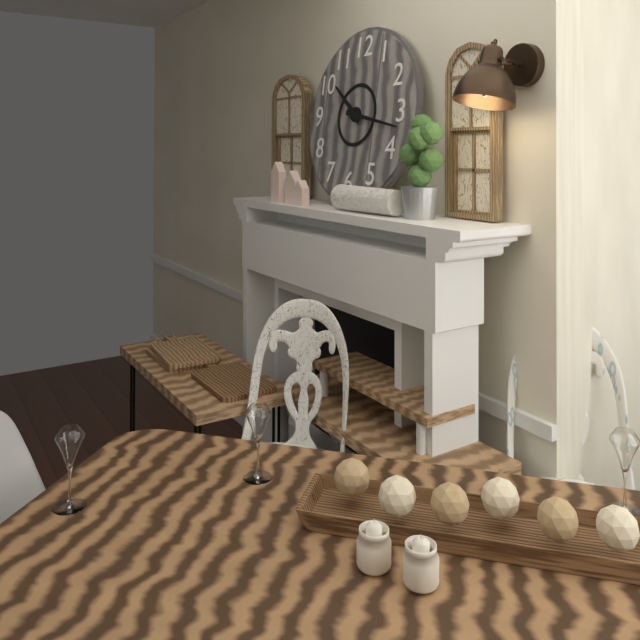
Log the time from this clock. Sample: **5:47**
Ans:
**10:17**
